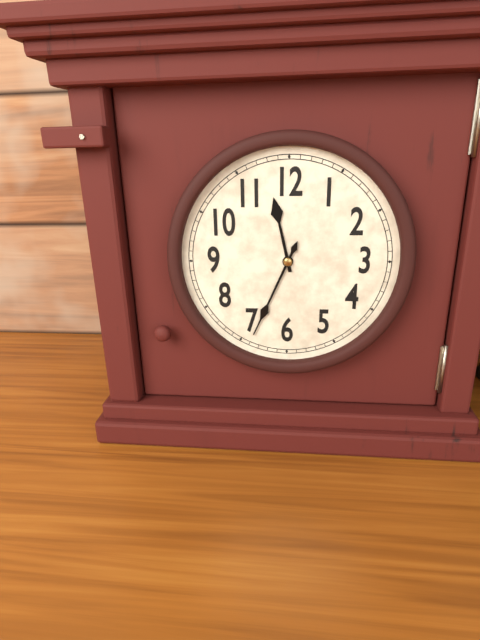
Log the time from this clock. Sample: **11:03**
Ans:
**11:34**
